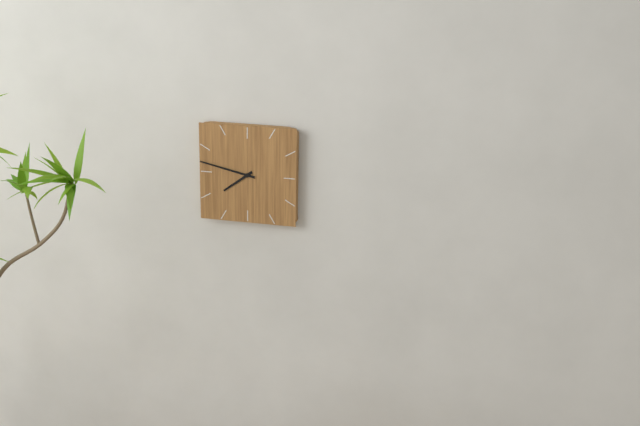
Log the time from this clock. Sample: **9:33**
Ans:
**7:47**
